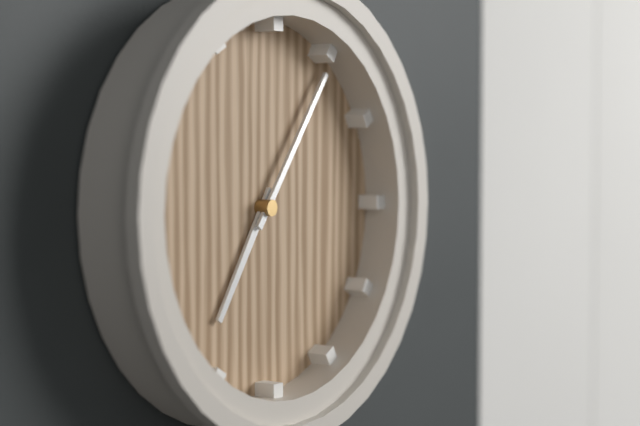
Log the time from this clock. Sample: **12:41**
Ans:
**7:06**
